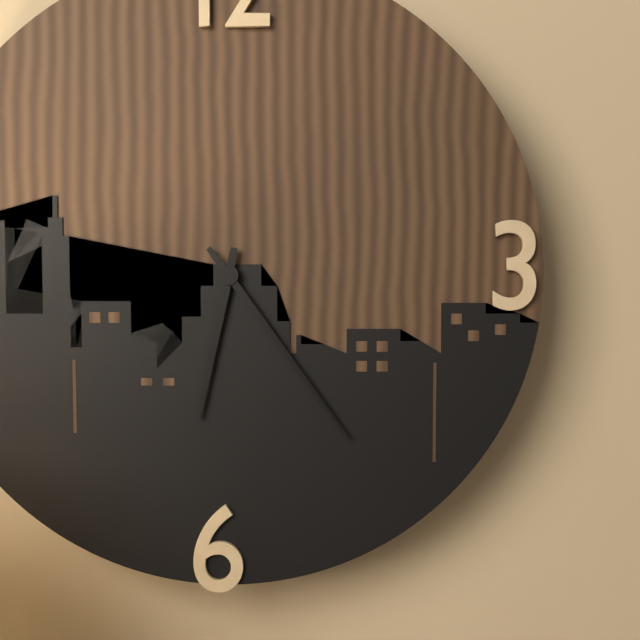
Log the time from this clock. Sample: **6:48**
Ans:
**6:24**
